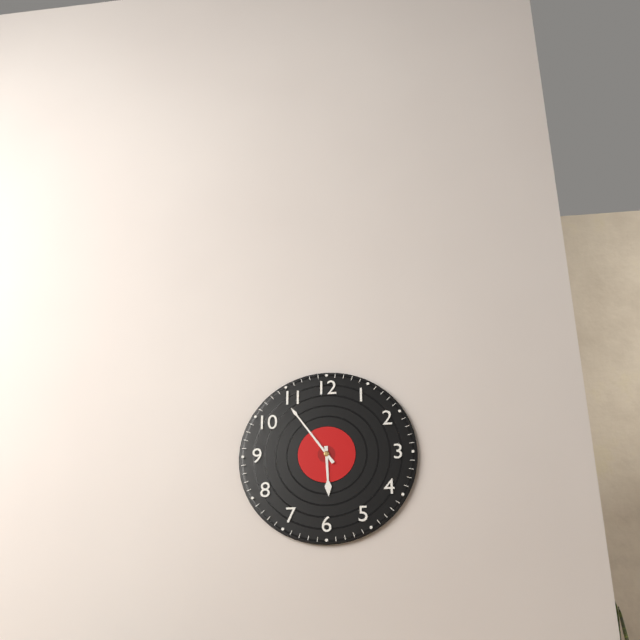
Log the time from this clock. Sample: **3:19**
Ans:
**5:54**
